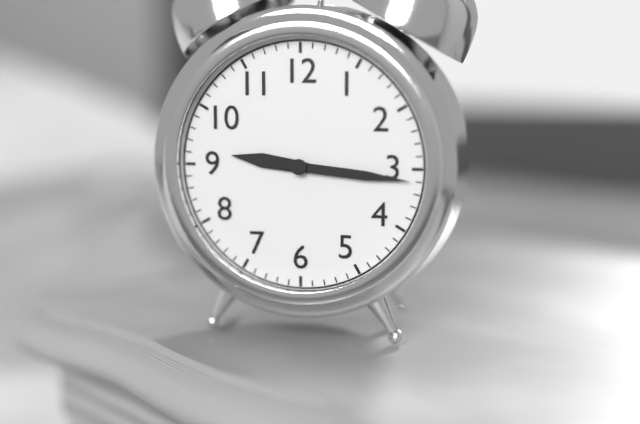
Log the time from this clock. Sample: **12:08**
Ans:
**9:16**
